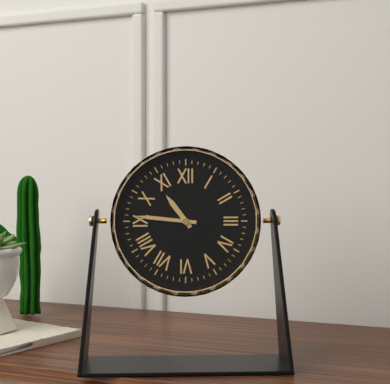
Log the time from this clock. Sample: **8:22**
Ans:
**10:46**
